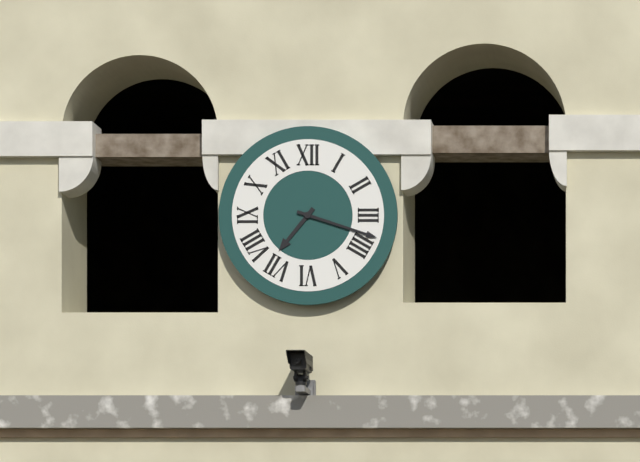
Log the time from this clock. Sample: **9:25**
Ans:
**7:18**
